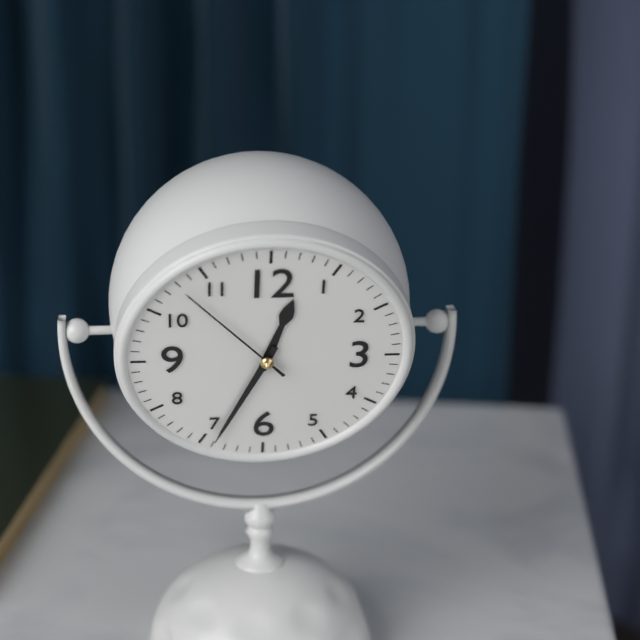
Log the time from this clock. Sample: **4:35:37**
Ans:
**12:34:53**
